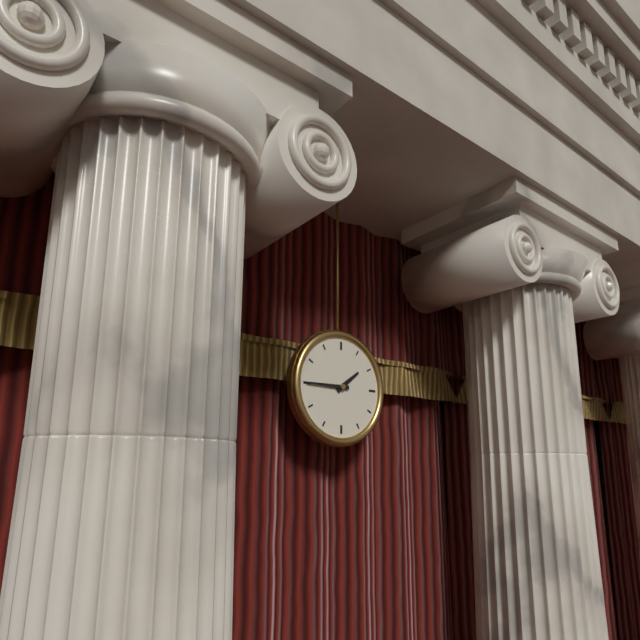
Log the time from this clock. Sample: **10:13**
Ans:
**1:45**
